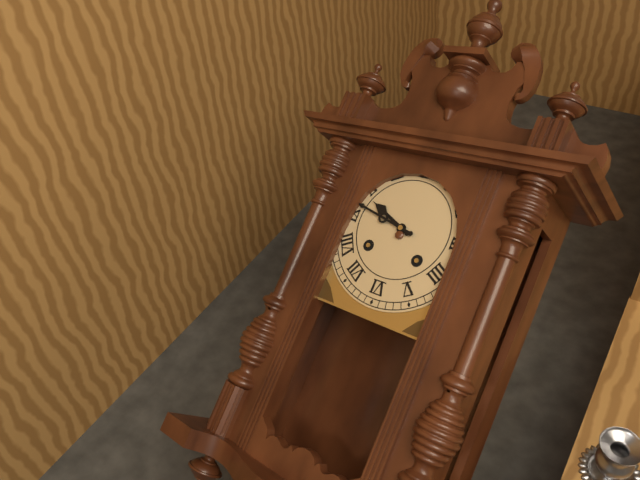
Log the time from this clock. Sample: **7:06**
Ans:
**9:47**
